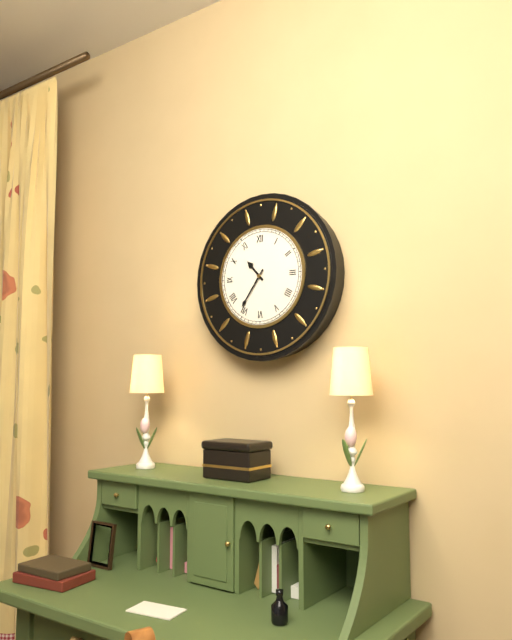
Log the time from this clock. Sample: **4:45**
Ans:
**10:36**
